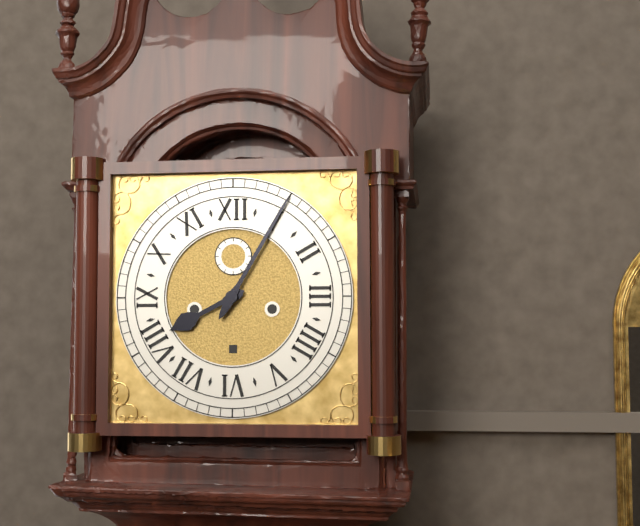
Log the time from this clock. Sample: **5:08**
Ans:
**8:05**
